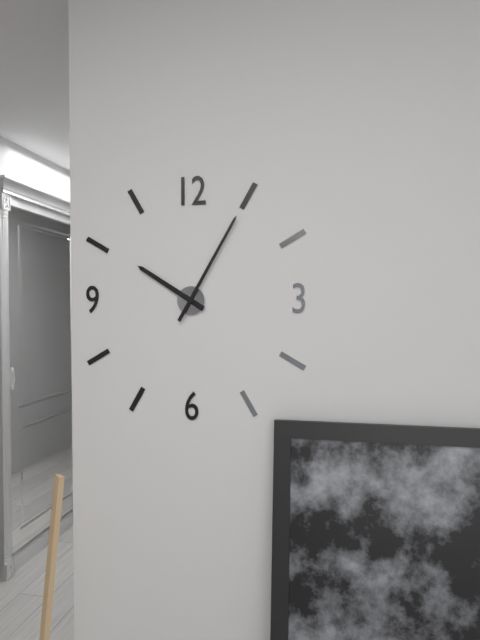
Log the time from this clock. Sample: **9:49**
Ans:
**10:05**
